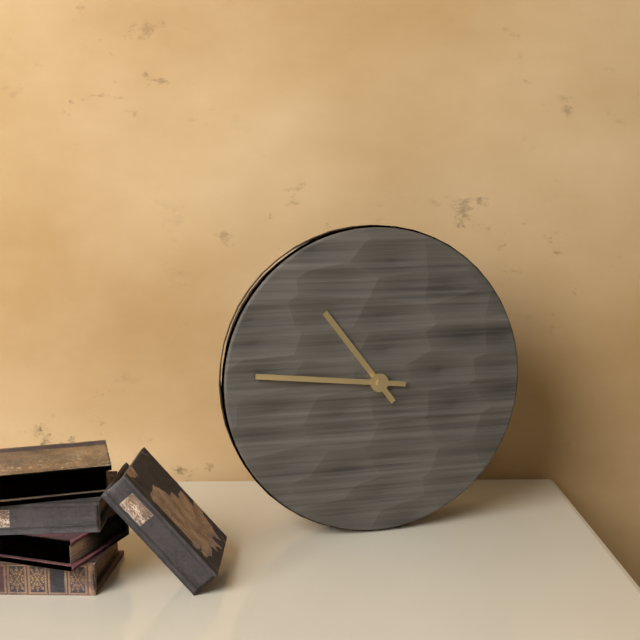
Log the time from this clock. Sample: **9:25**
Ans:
**10:46**
